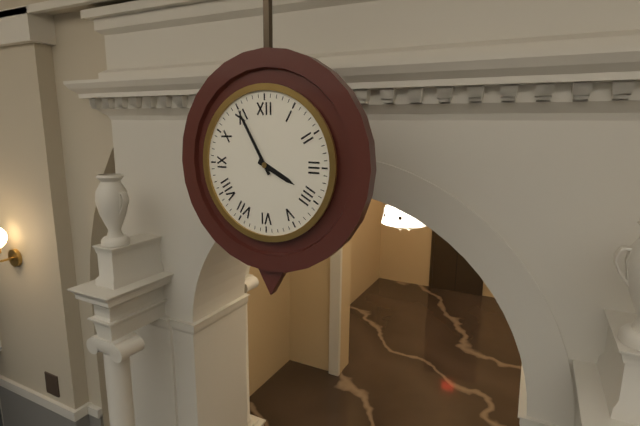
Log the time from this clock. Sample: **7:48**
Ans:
**3:55**
